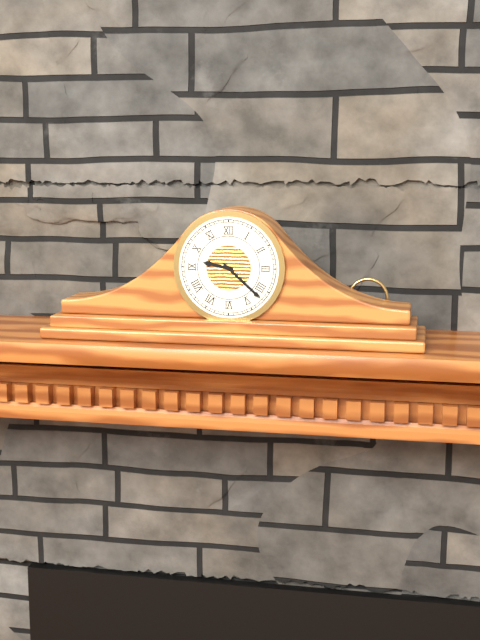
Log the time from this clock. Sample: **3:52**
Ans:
**9:22**
